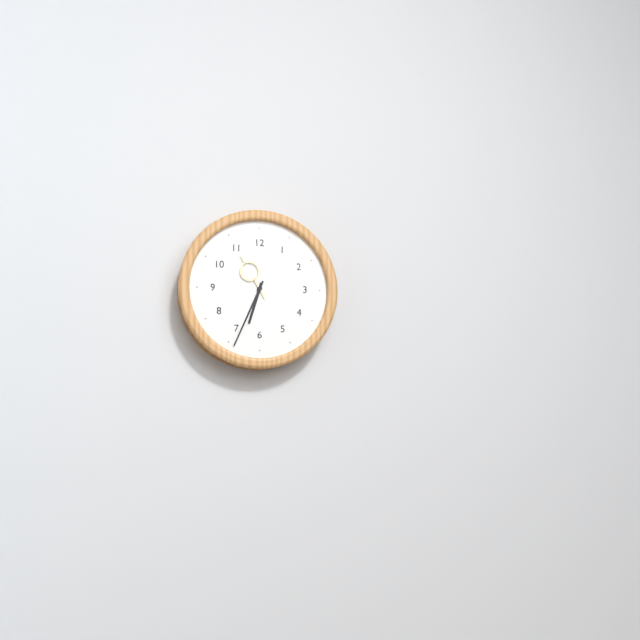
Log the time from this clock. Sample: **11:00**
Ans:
**6:34**
